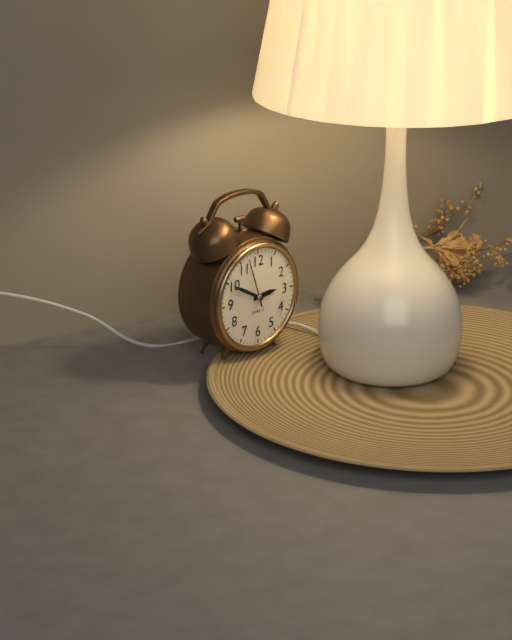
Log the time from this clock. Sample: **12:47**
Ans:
**2:50**
